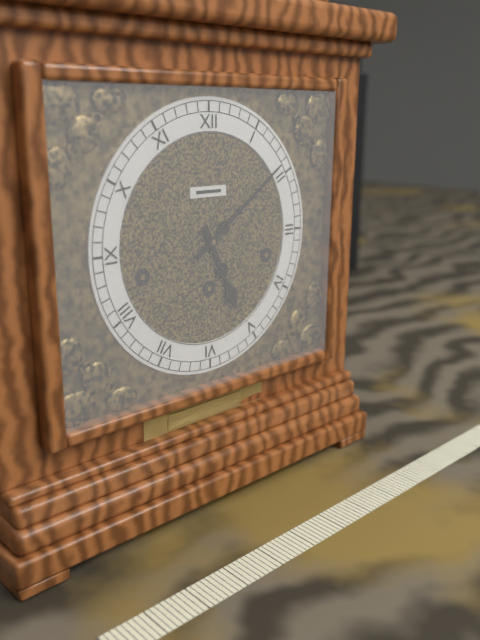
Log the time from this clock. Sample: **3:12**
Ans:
**5:09**
